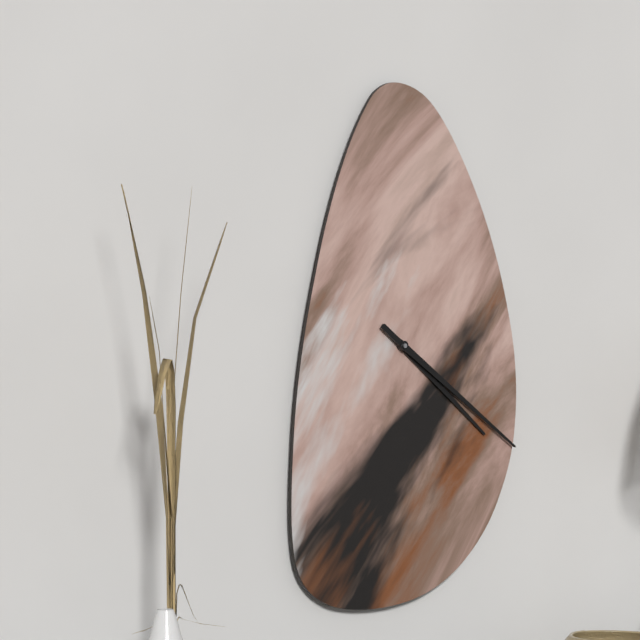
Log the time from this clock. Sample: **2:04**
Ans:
**4:21**
